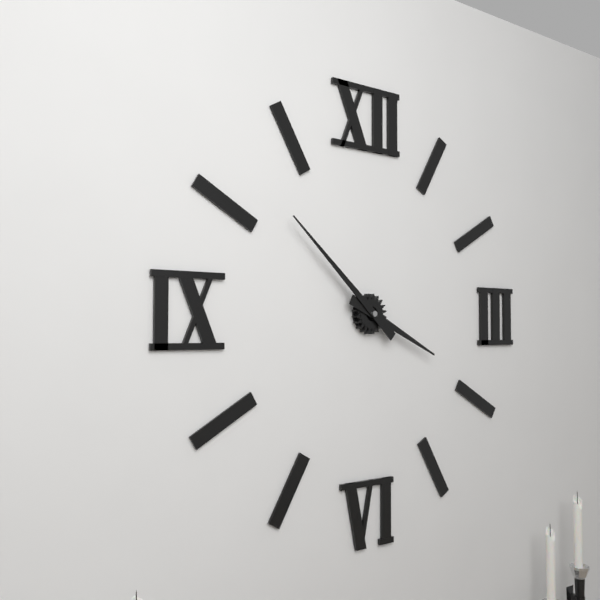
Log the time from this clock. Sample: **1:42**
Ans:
**3:52**
